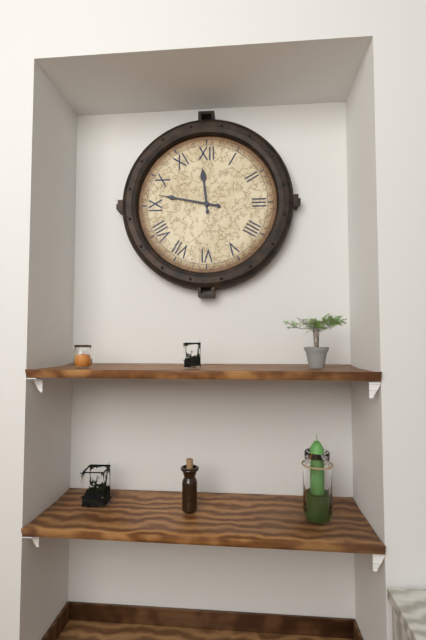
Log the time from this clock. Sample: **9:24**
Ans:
**11:47**
